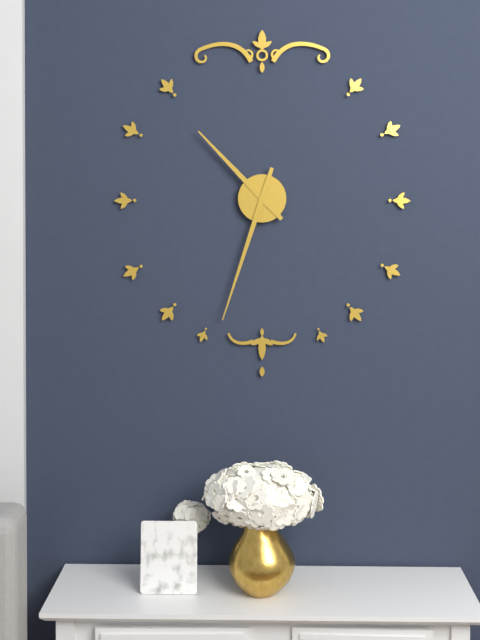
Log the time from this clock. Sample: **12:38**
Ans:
**10:33**
